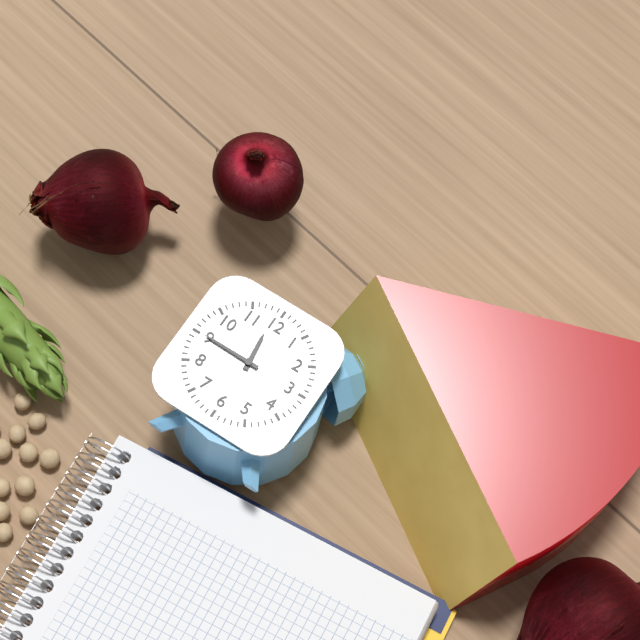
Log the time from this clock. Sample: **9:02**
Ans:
**11:45**
